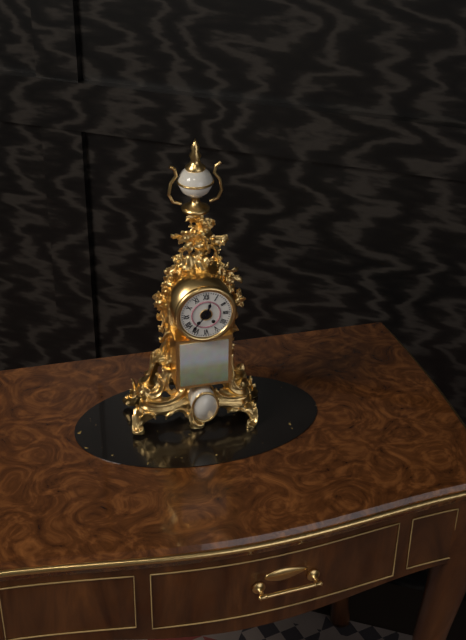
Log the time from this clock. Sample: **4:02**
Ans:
**12:37**
